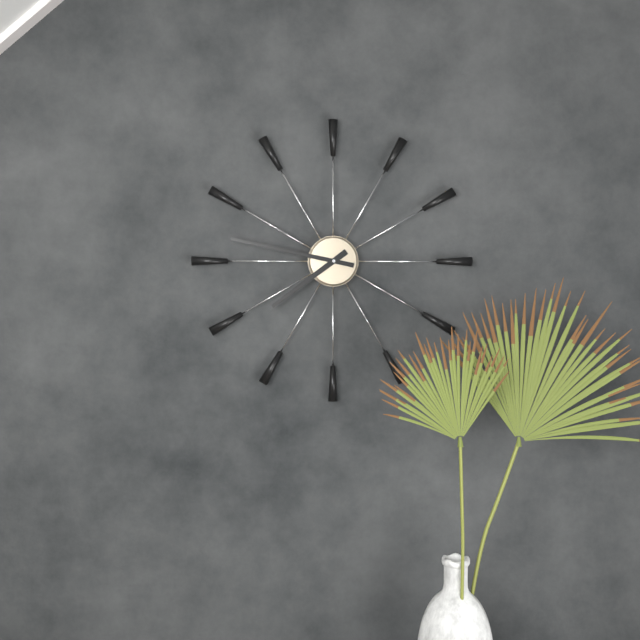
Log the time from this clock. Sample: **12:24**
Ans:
**7:47**
